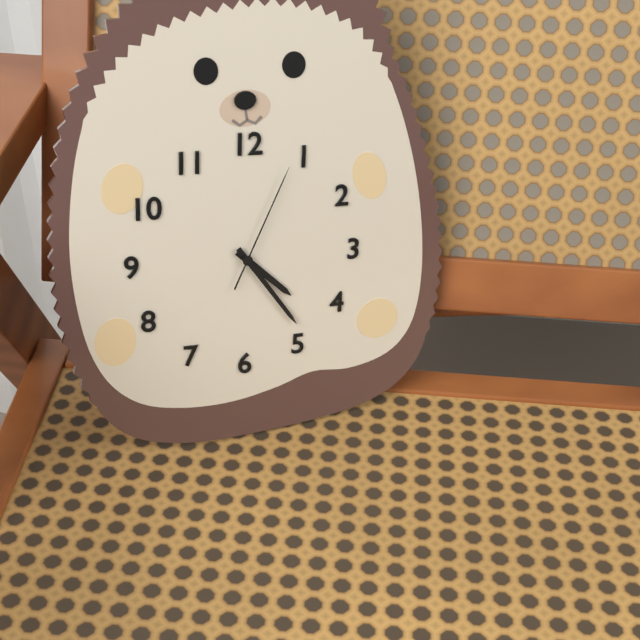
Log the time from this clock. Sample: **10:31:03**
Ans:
**4:24:04**
